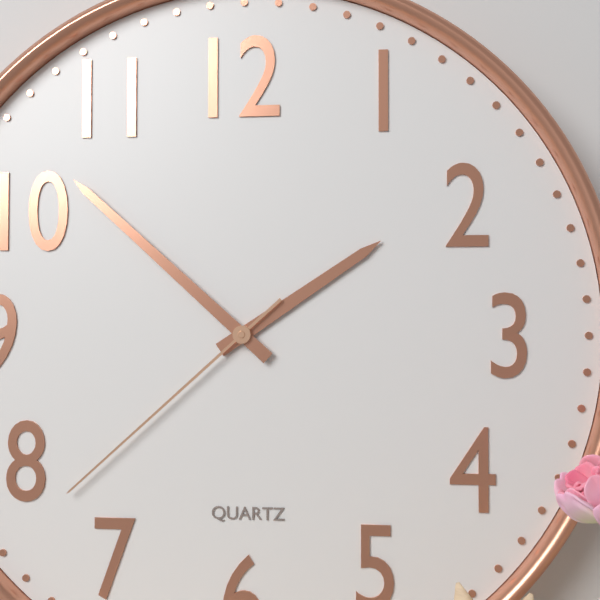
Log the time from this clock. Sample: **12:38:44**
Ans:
**1:52:38**
